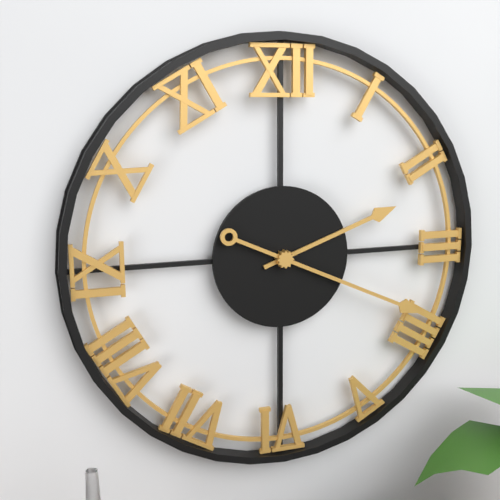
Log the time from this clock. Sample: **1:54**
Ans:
**2:19**
